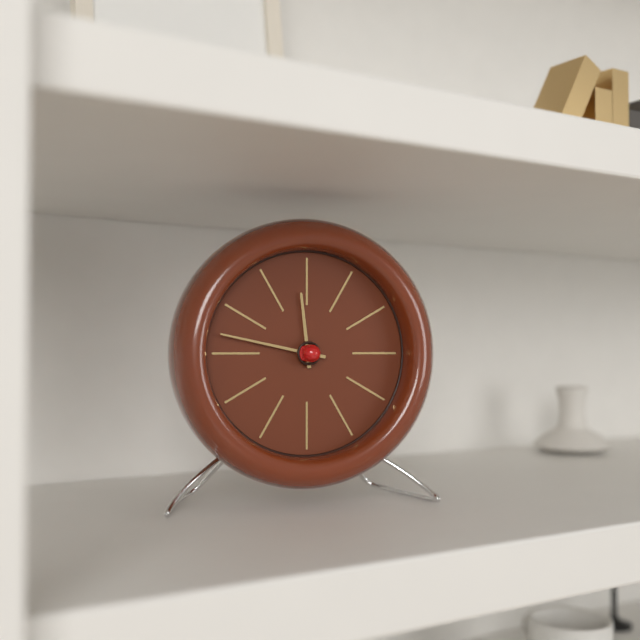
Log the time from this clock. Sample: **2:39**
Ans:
**11:47**
